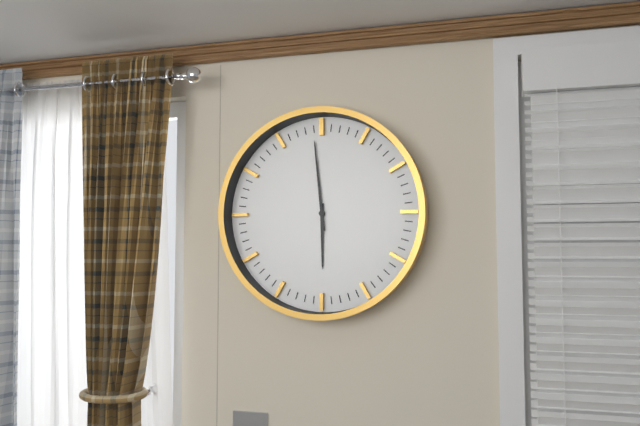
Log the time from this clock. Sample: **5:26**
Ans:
**5:59**
